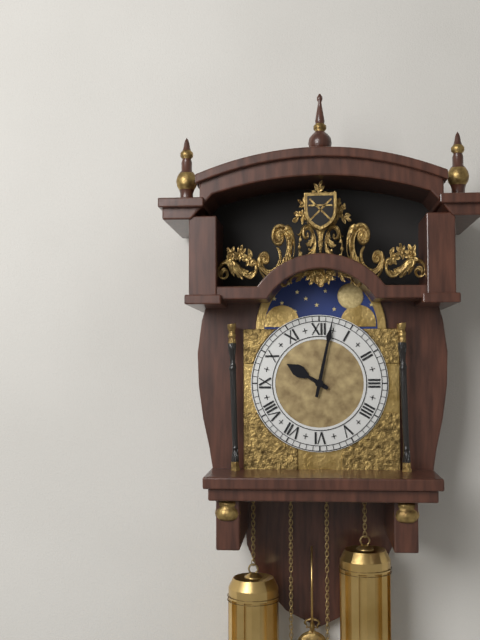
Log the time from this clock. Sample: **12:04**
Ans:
**10:02**
